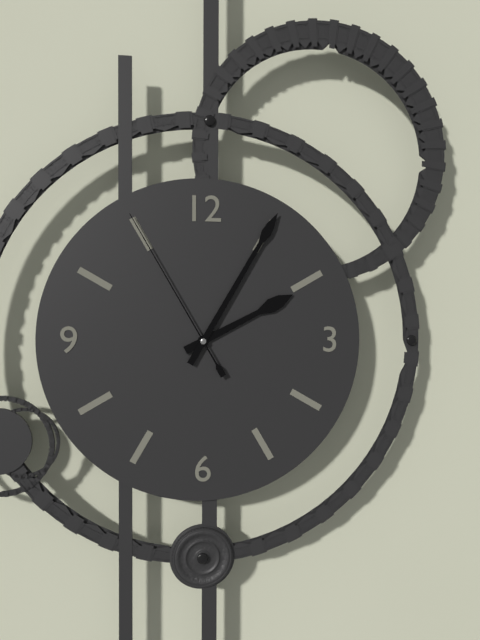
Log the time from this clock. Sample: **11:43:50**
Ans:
**2:05:55**
